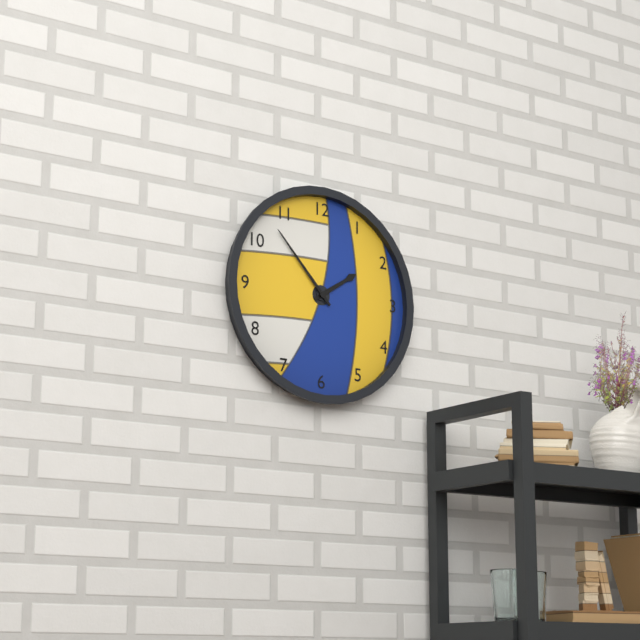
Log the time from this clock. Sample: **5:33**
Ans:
**1:53**
